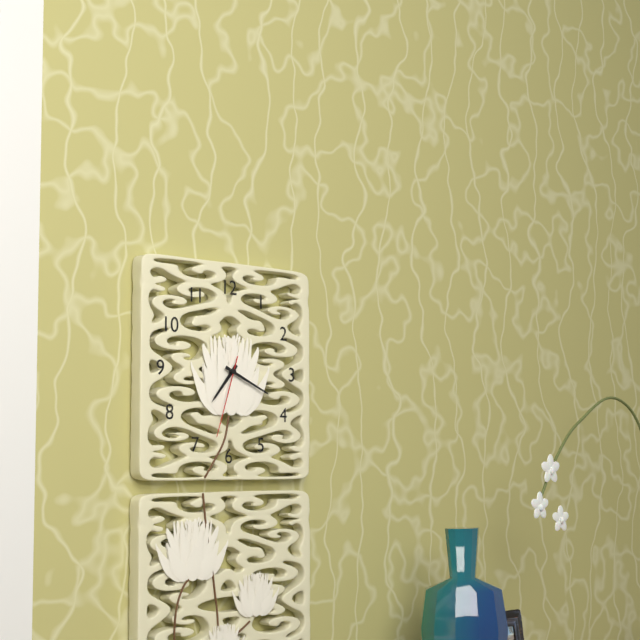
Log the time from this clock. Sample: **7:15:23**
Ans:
**7:19:33**
